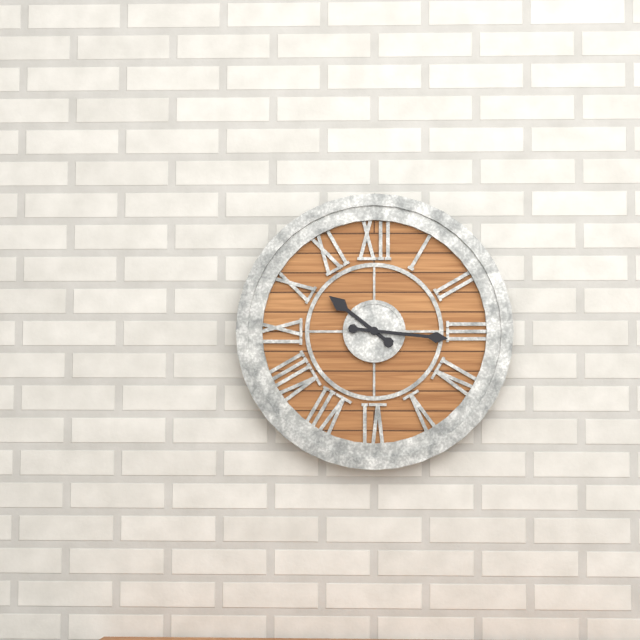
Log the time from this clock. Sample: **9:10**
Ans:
**10:16**
